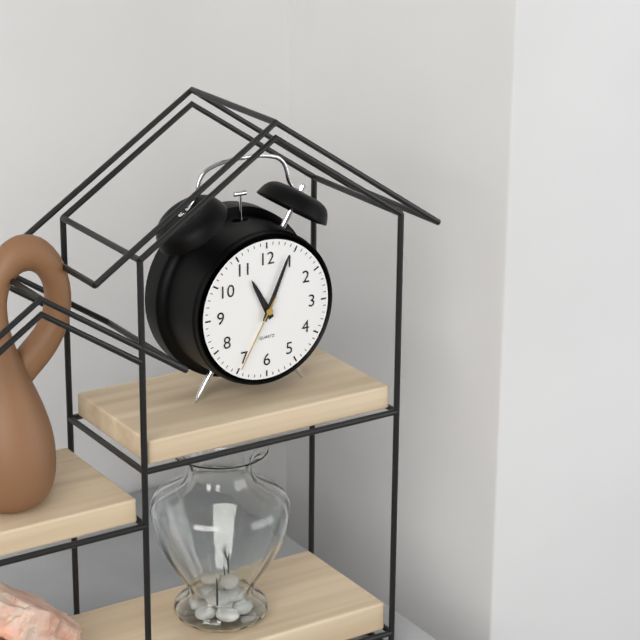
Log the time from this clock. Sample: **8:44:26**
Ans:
**11:04:35**
